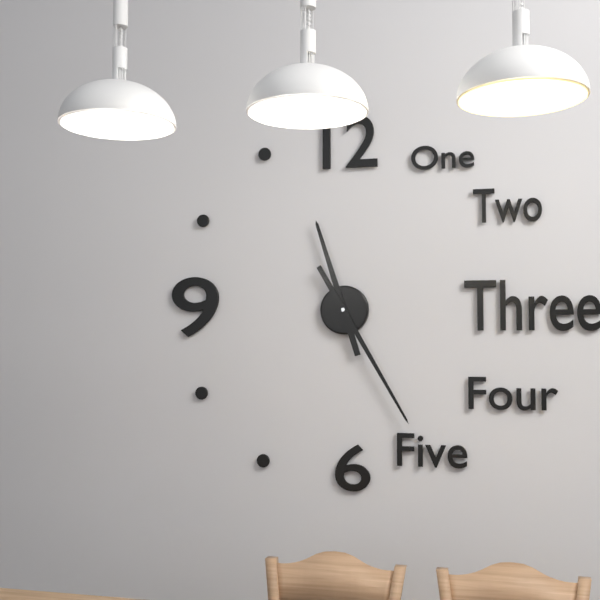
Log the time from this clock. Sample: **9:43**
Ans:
**11:25**
